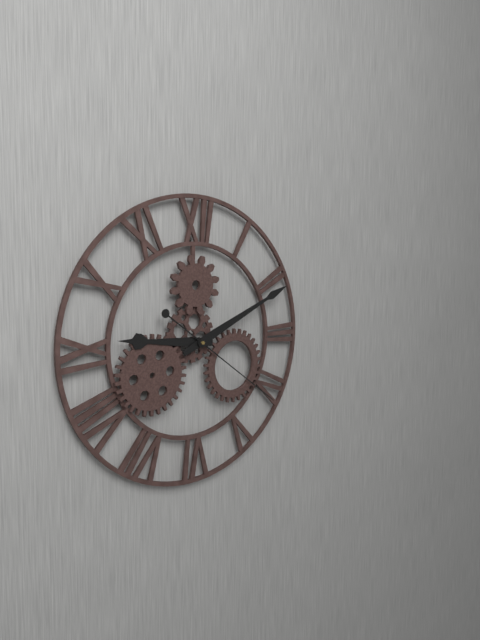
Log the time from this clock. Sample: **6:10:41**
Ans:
**9:11:21**
